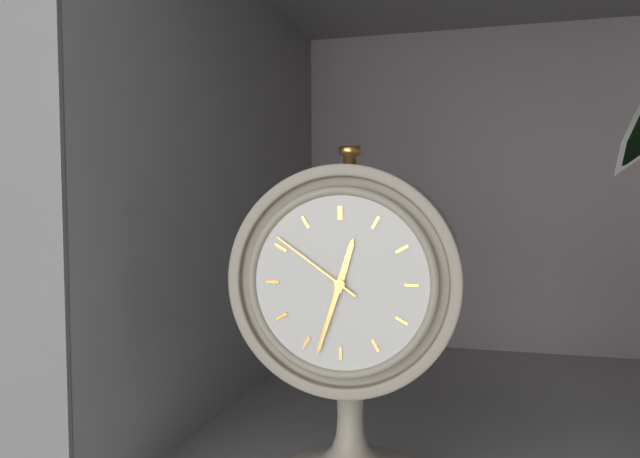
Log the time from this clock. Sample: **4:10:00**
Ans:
**12:33:51**
